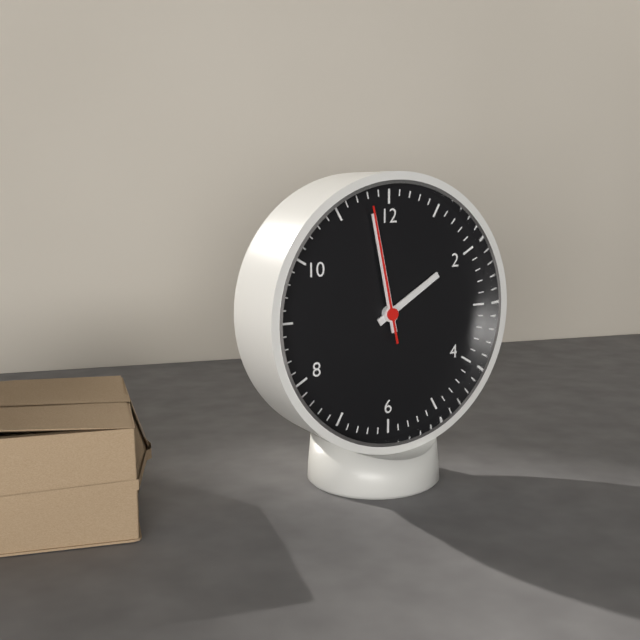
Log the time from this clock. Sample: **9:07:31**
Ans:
**1:58:58**
